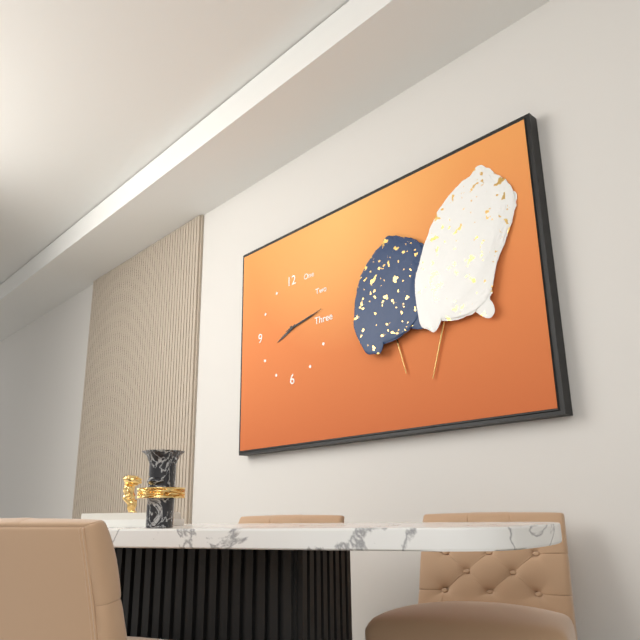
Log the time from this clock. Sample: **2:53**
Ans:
**8:13**
